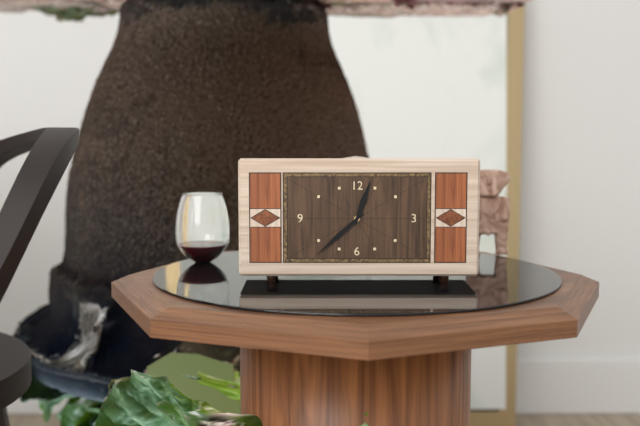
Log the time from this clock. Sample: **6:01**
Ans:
**12:38**
